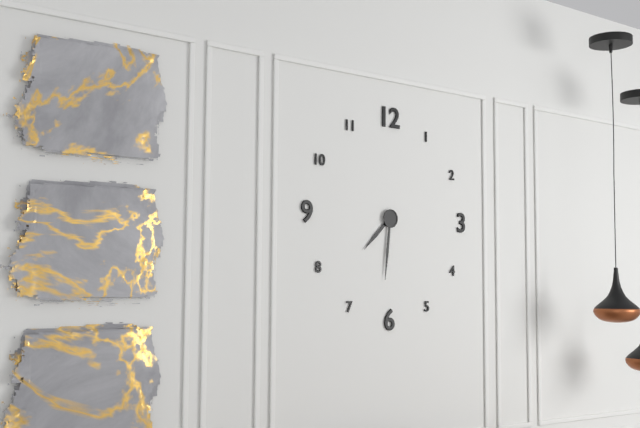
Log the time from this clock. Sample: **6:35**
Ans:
**7:31**
